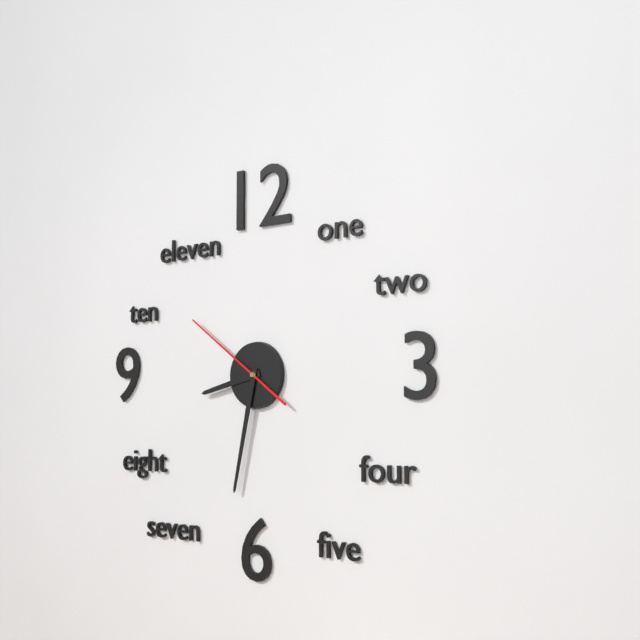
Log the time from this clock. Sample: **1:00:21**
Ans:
**8:32:51**
